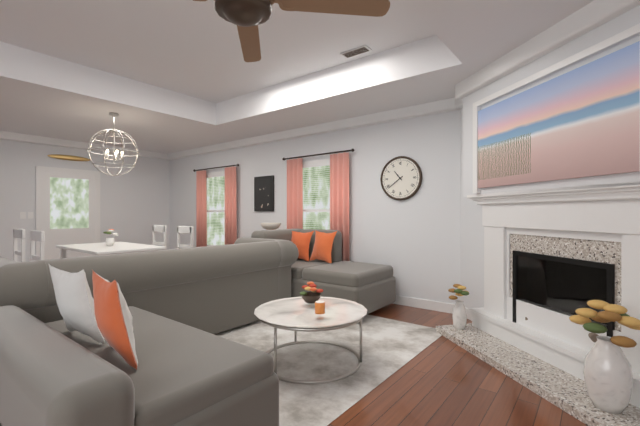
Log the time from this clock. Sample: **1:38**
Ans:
**10:39**
